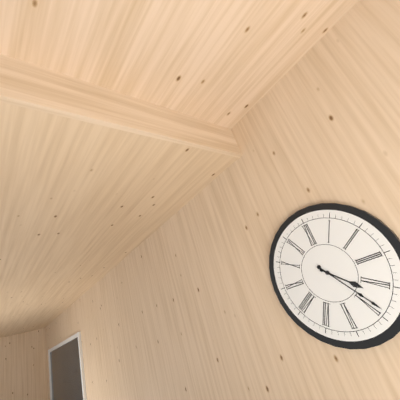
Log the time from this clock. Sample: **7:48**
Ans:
**4:24**
